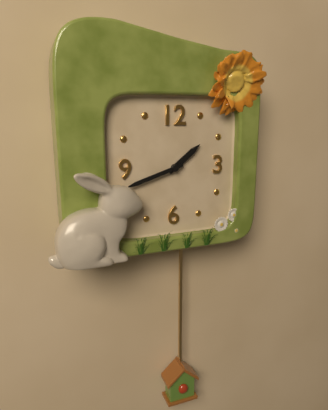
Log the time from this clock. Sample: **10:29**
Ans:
**1:42**
